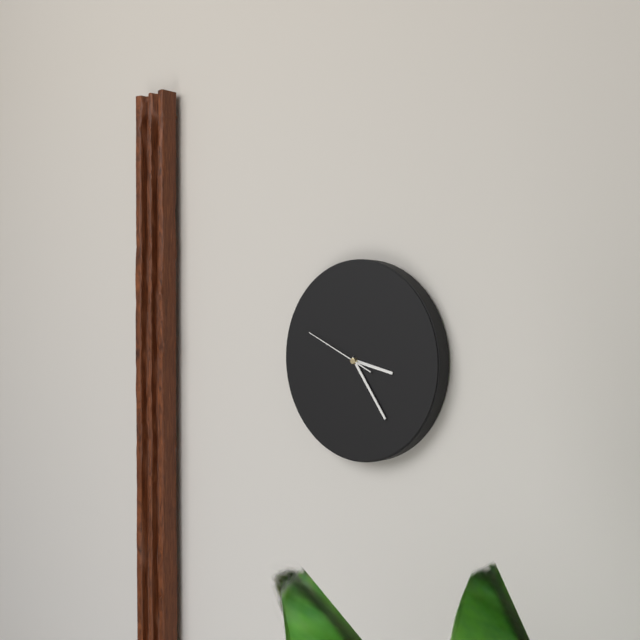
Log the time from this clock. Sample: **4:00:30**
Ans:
**3:24:49**
